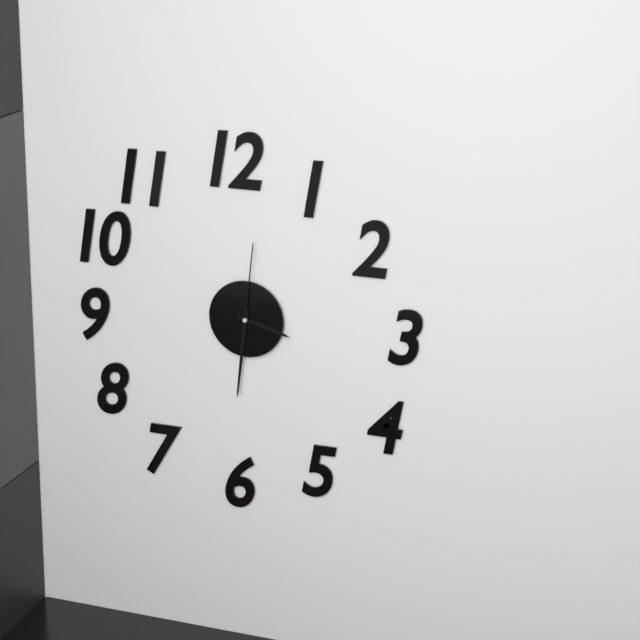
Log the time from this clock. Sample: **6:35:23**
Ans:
**3:31:01**
